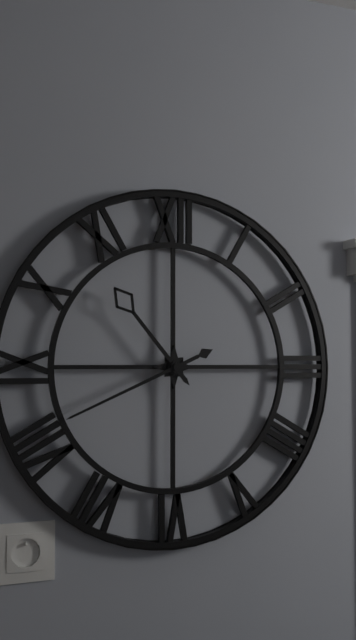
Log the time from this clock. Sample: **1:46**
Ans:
**10:41**
